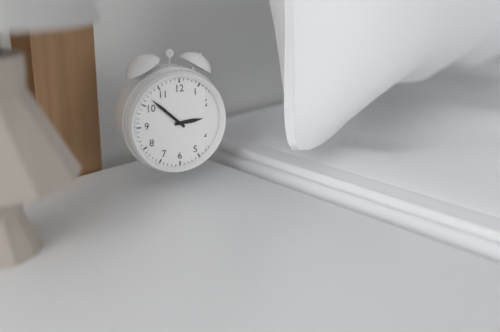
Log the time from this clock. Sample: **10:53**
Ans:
**2:52**
